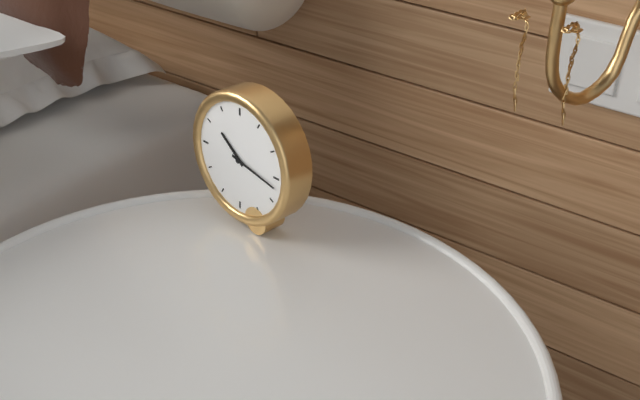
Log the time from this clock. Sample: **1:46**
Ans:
**10:17**
